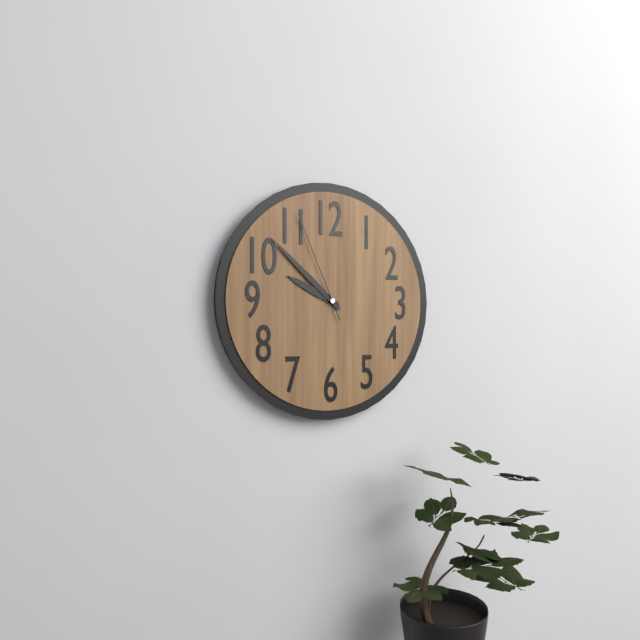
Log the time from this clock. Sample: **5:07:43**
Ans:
**9:52:56**
